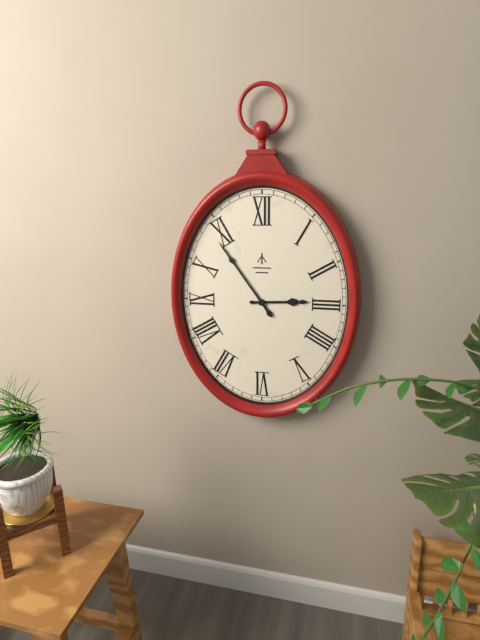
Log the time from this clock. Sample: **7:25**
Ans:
**2:54**
